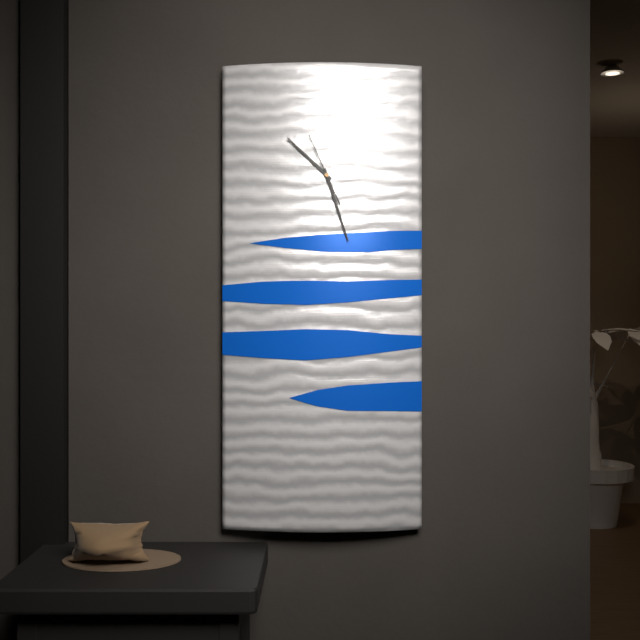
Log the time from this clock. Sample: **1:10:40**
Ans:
**10:27:56**
